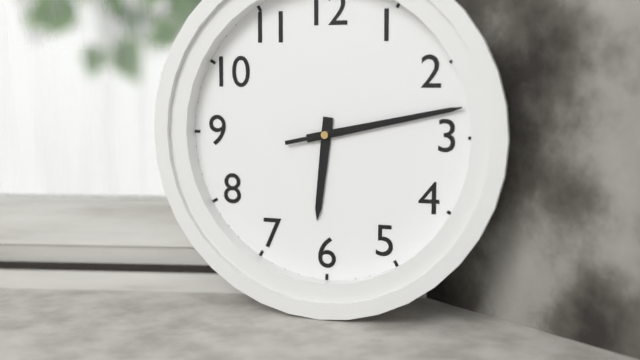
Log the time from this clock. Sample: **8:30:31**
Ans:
**6:13:13**
